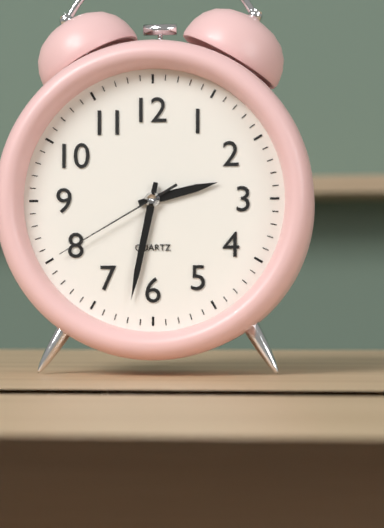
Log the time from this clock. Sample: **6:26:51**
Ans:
**2:32:40**
